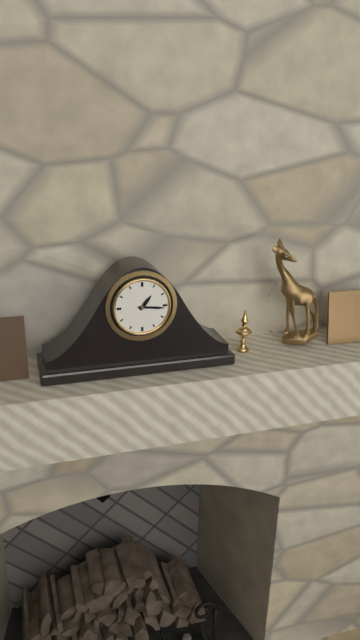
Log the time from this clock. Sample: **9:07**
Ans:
**1:16**
